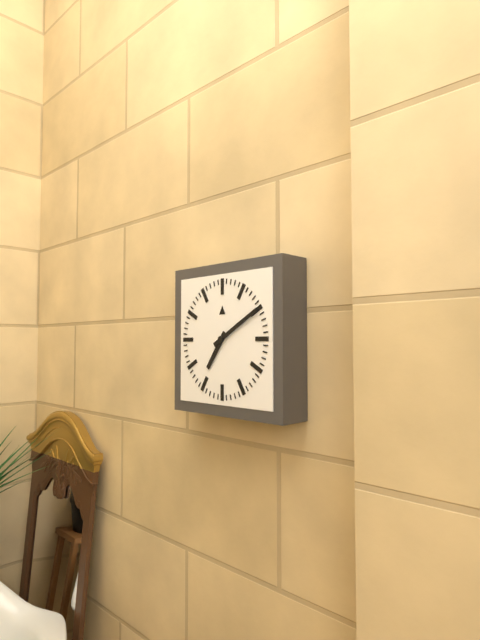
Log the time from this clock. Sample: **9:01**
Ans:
**7:10**
